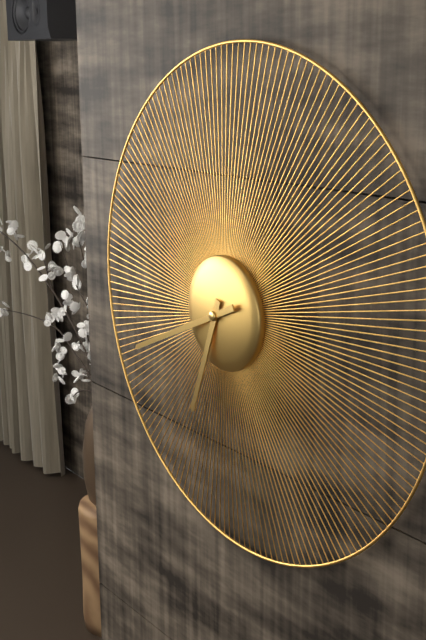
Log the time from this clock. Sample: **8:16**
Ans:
**6:41**
